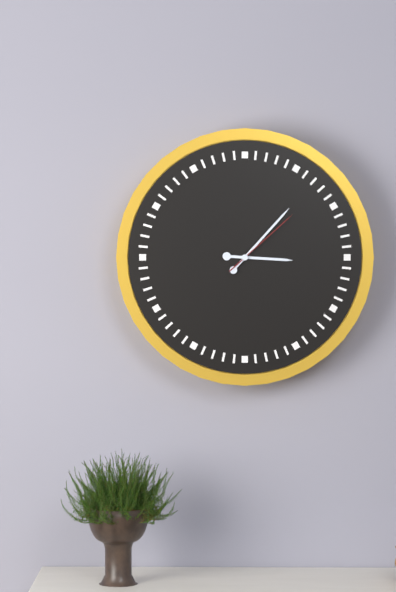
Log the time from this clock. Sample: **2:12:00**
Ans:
**3:07:08**
